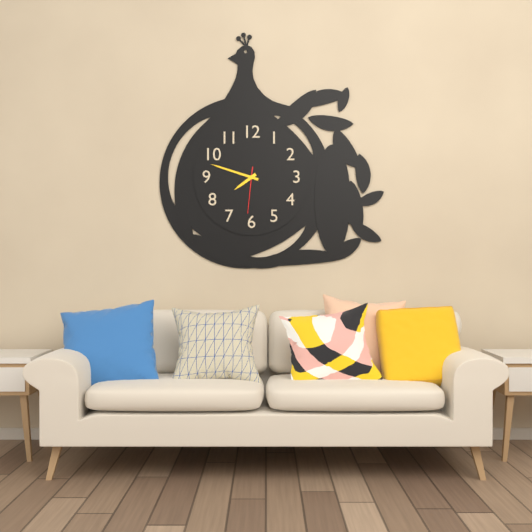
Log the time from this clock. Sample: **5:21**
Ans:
**7:48**
